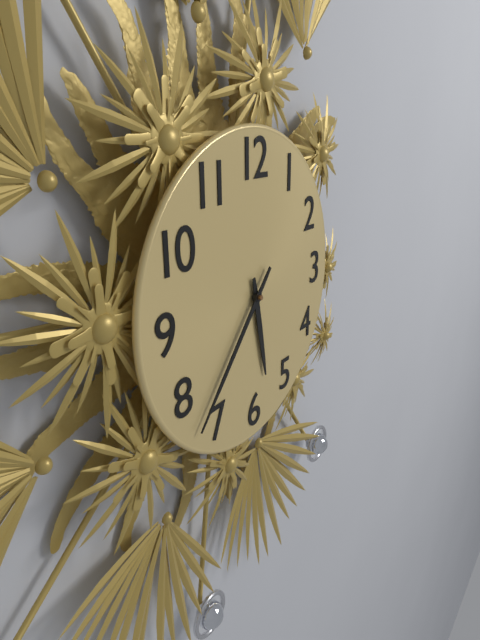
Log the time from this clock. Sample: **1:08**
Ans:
**5:37**
